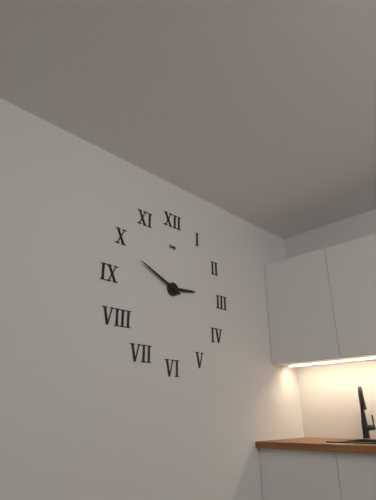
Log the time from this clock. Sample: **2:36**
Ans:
**2:49**
